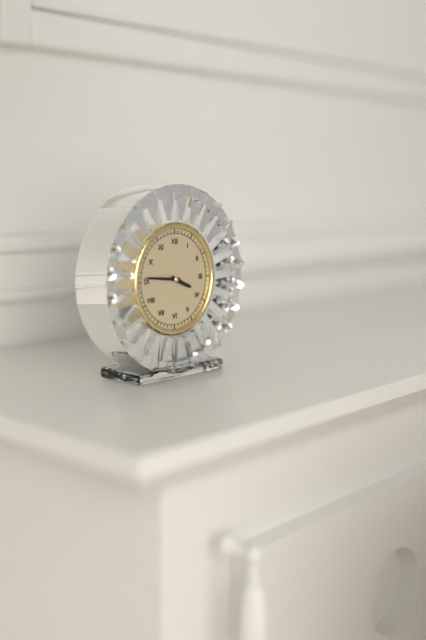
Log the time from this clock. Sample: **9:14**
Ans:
**3:46**
